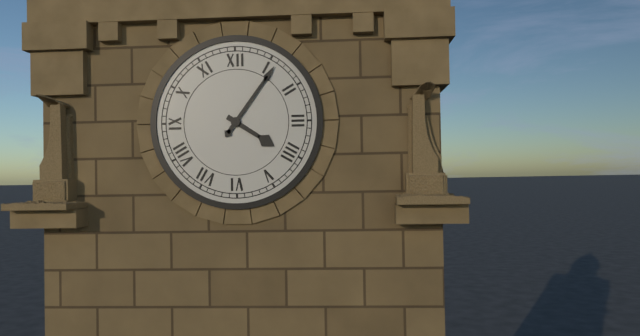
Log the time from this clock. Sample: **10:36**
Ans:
**4:06**
